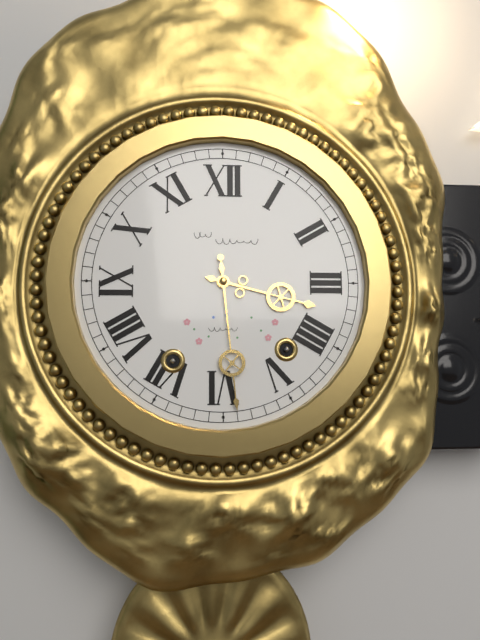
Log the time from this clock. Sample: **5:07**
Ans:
**3:29**
